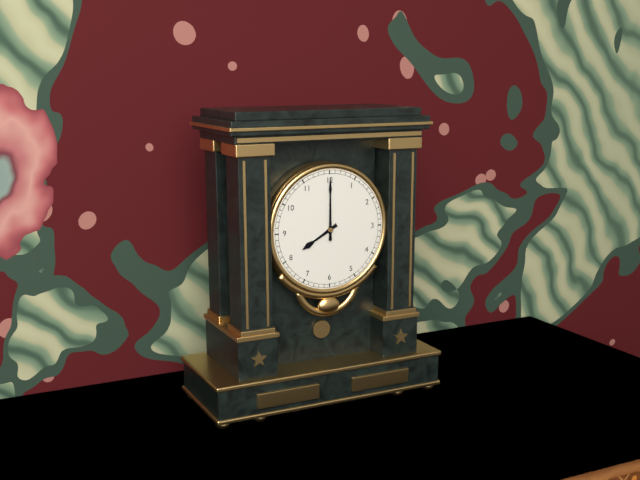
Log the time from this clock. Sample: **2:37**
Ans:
**8:00**
